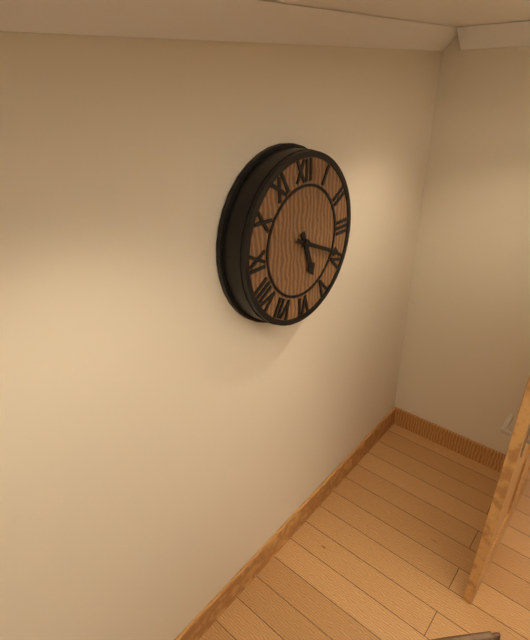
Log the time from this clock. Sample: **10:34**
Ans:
**5:19**
